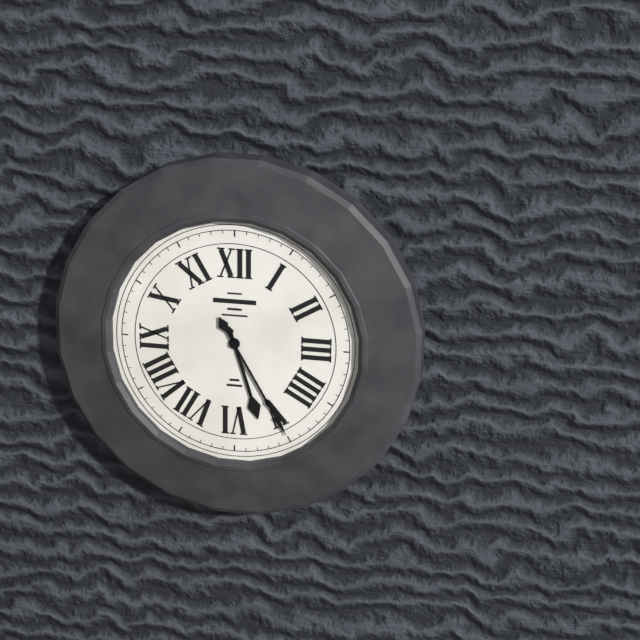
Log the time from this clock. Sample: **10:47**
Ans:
**5:25**
